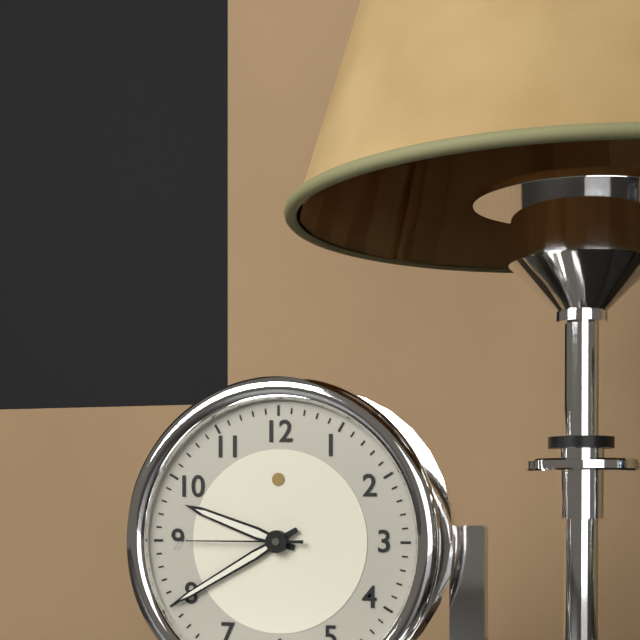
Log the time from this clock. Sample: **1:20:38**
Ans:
**9:40:45**
